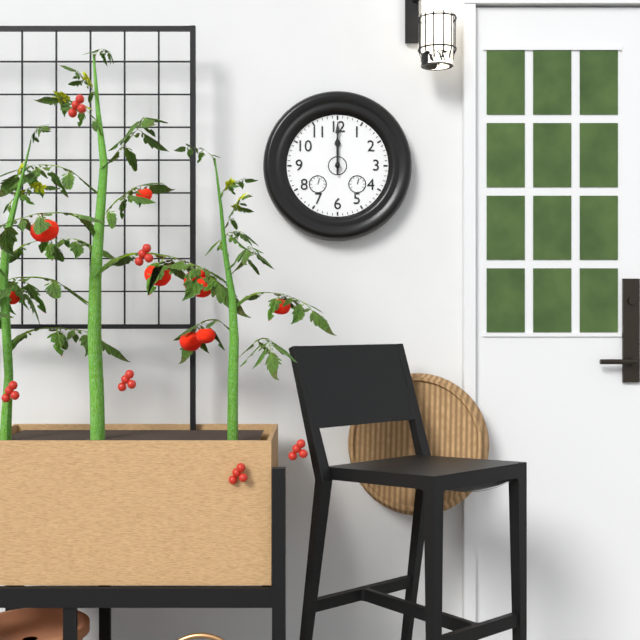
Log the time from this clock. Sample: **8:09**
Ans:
**12:00**
